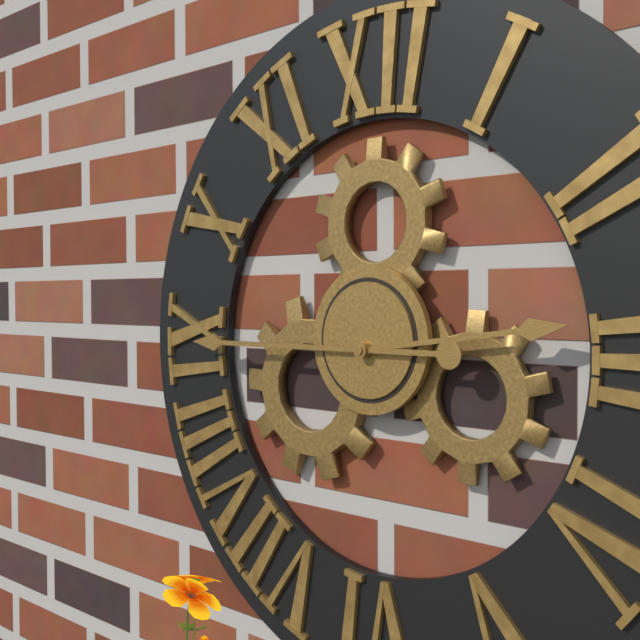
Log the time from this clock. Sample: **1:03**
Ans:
**2:45**
